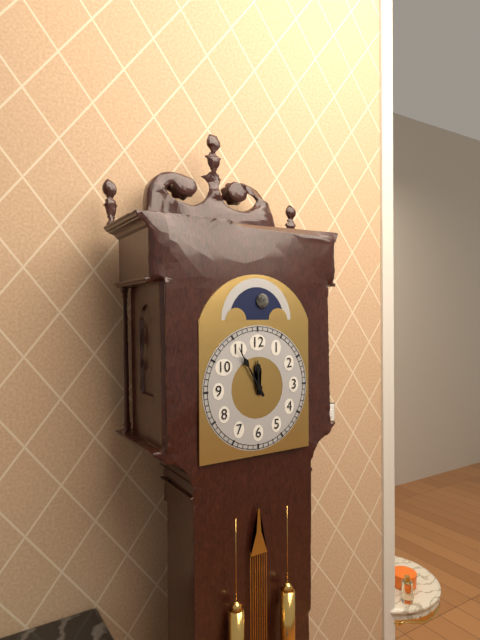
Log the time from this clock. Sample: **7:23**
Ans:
**11:55**
